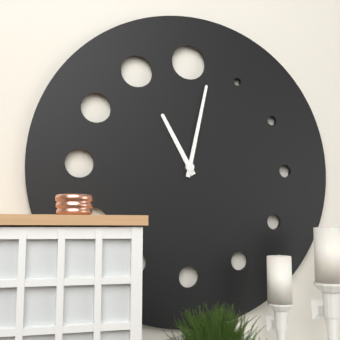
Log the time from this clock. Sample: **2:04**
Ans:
**11:02**
